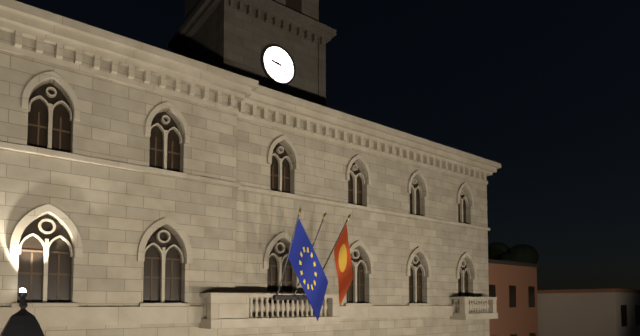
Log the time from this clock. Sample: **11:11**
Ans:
**9:22**
